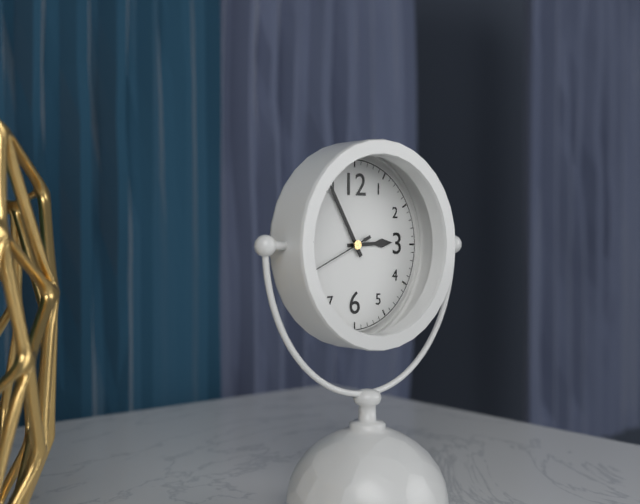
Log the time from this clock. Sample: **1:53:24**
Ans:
**2:55:41**
